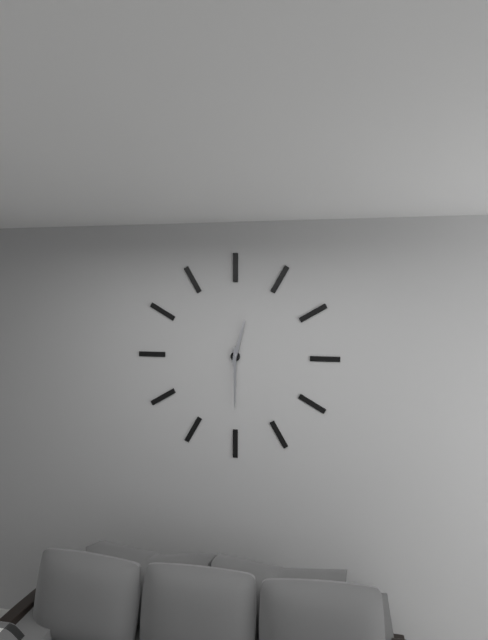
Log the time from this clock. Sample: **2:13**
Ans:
**12:30**
